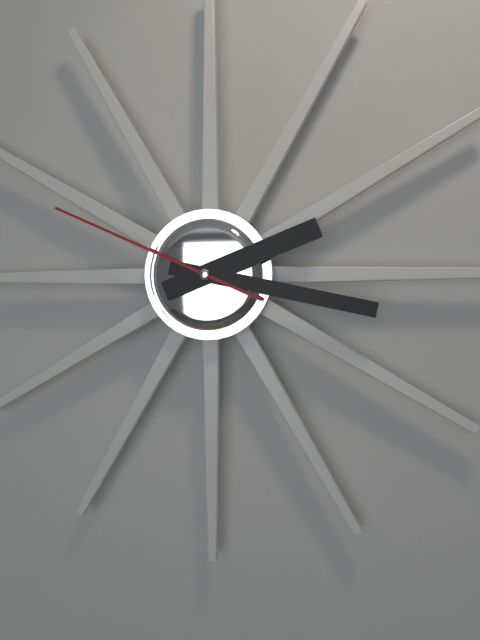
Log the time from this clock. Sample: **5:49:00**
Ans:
**2:17:49**
